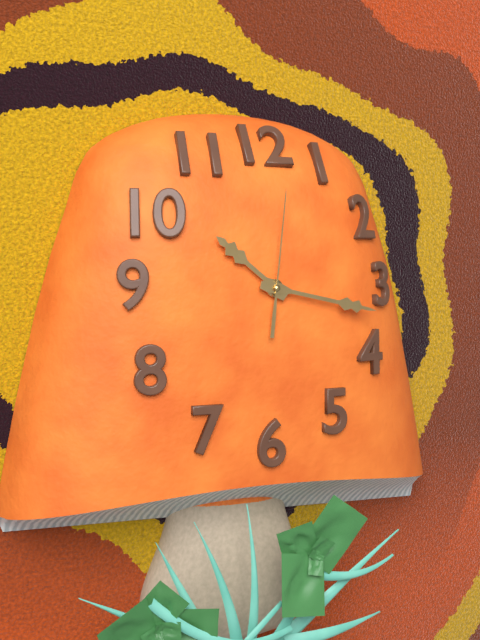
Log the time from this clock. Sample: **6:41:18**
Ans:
**10:17:01**
